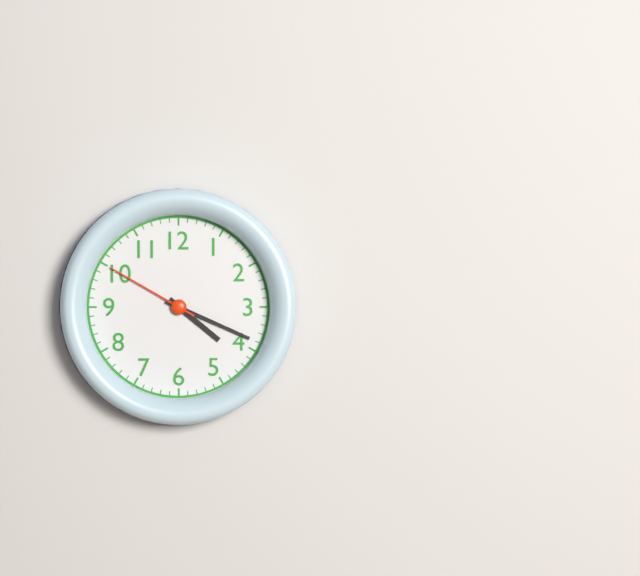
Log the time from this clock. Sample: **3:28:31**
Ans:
**4:19:50**
